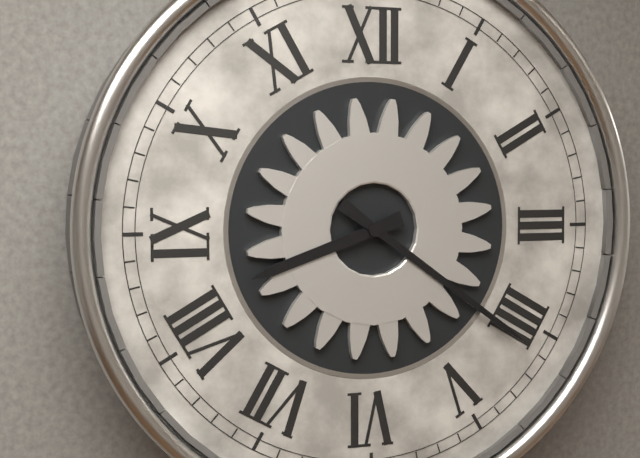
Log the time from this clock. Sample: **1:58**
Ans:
**8:21**
